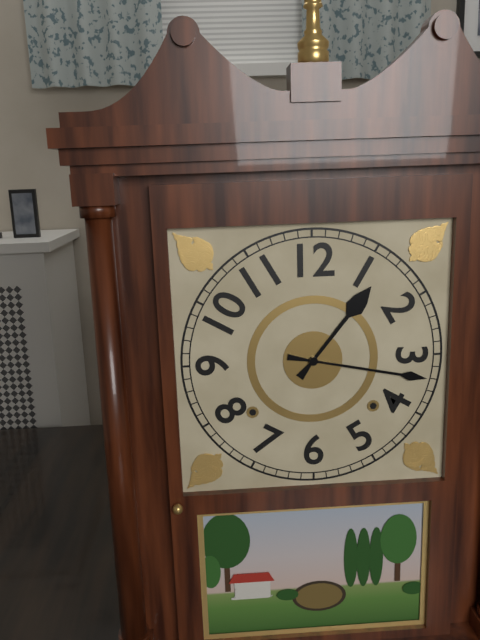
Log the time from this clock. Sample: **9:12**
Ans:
**1:17**
